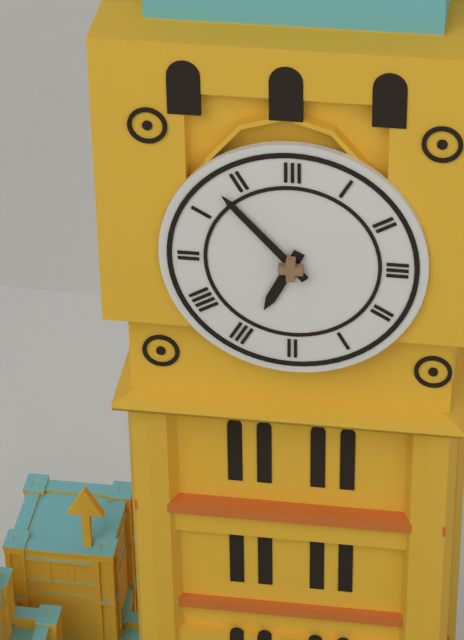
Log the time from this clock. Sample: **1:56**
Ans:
**6:53**
